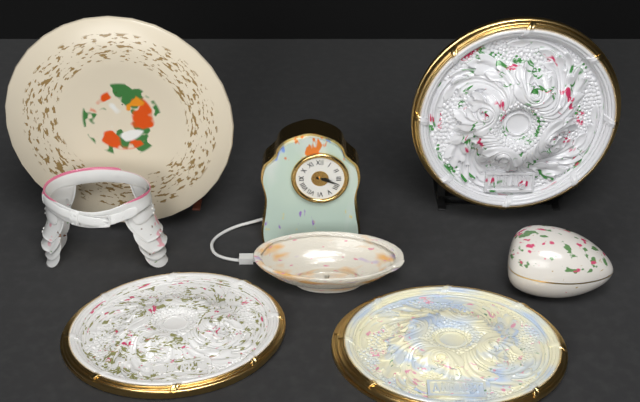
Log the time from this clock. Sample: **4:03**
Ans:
**3:18**
